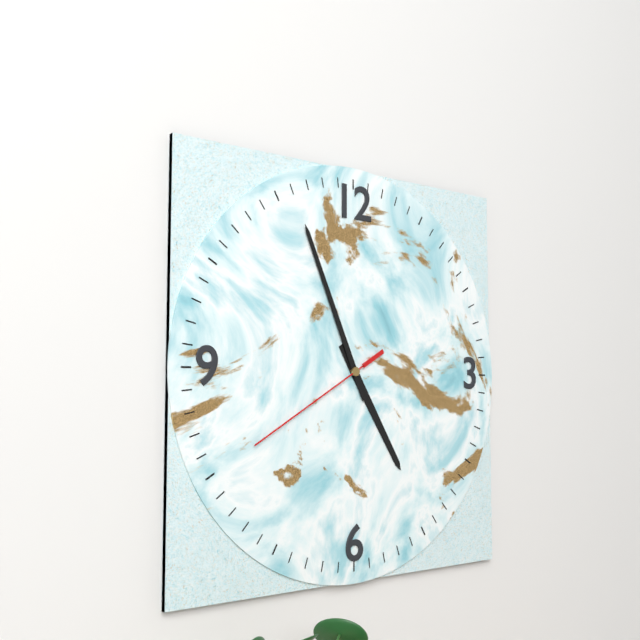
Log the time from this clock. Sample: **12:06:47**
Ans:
**4:56:40**
